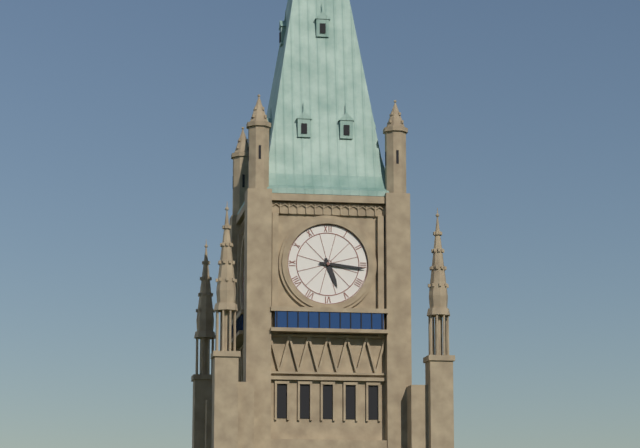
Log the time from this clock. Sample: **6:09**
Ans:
**5:16**
